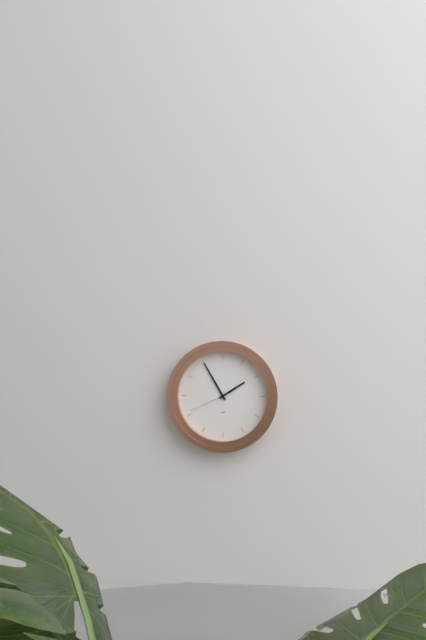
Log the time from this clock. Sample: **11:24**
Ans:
**1:55**
